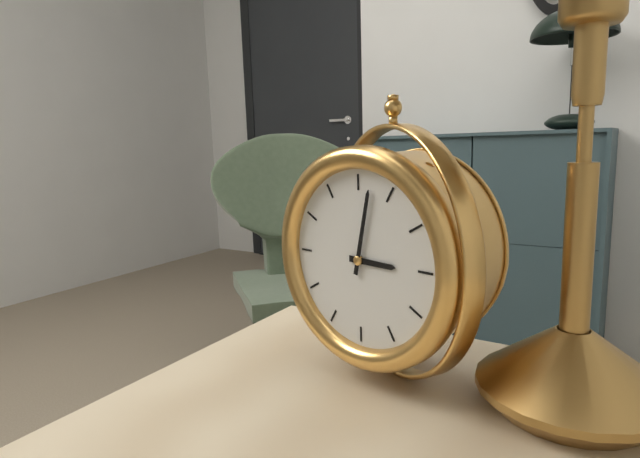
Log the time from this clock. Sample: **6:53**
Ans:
**3:02**
